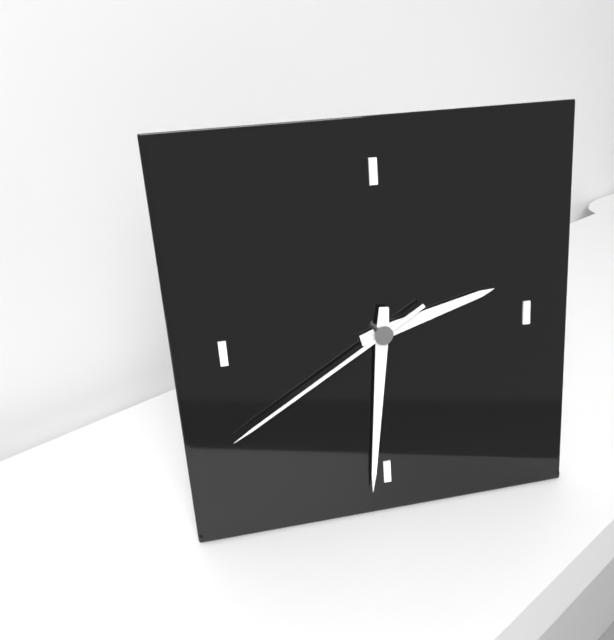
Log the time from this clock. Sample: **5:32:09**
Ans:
**2:31:40**
